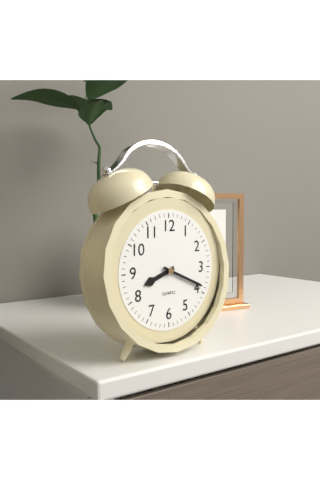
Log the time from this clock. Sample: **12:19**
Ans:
**8:19**
